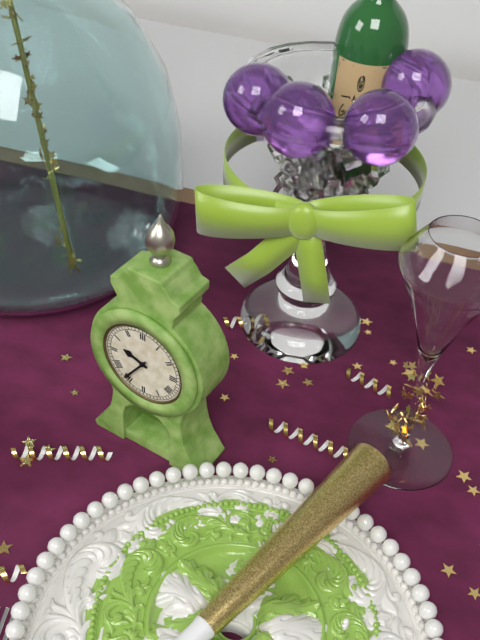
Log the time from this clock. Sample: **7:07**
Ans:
**9:36**
